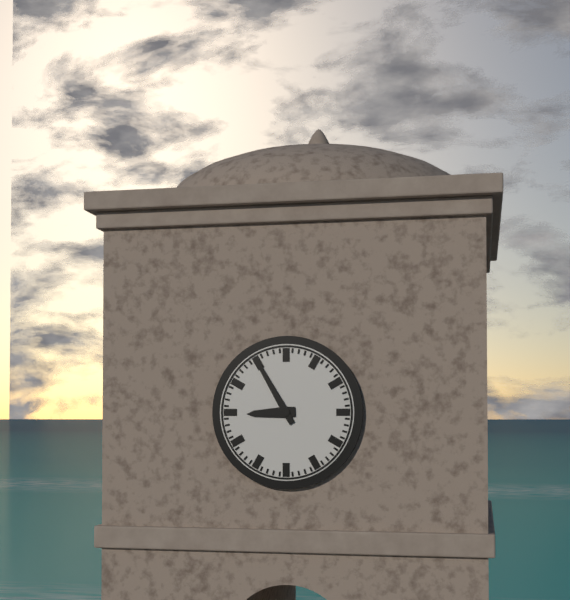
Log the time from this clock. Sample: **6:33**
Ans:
**8:55**
